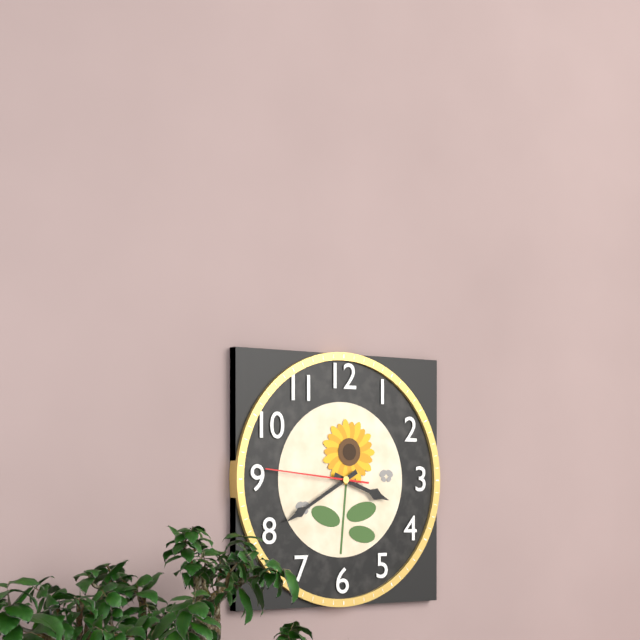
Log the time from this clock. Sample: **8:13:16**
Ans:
**3:40:46**
